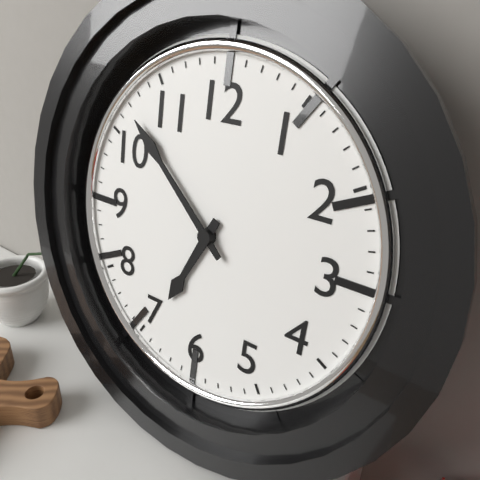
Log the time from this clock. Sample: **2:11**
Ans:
**6:52**
